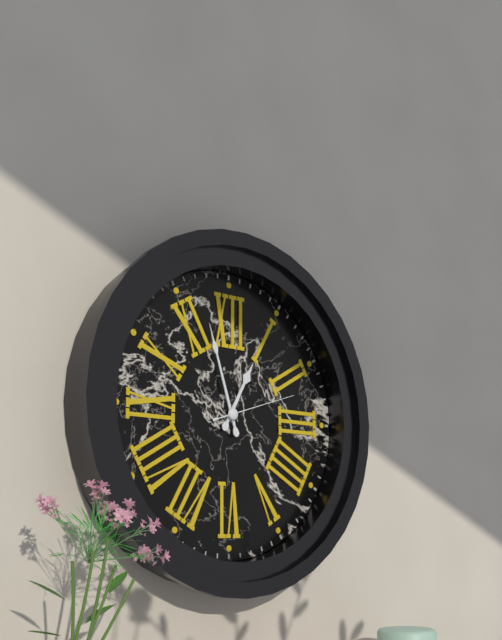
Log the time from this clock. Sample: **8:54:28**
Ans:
**12:57:12**
